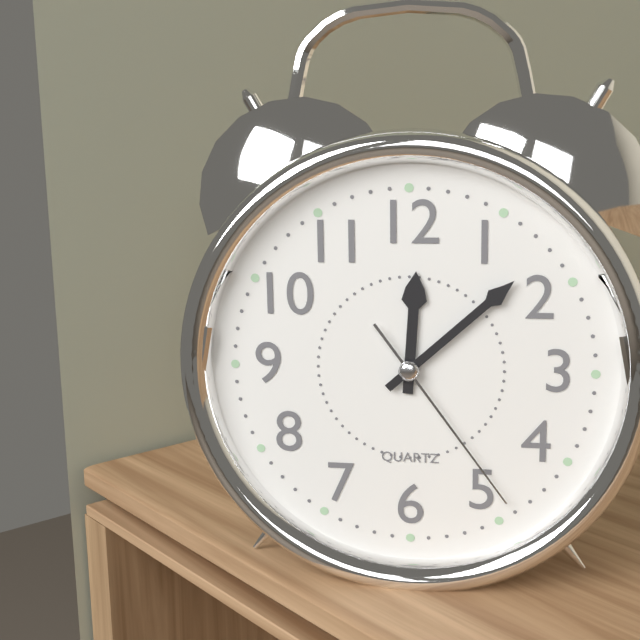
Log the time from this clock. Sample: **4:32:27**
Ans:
**12:08:24**
